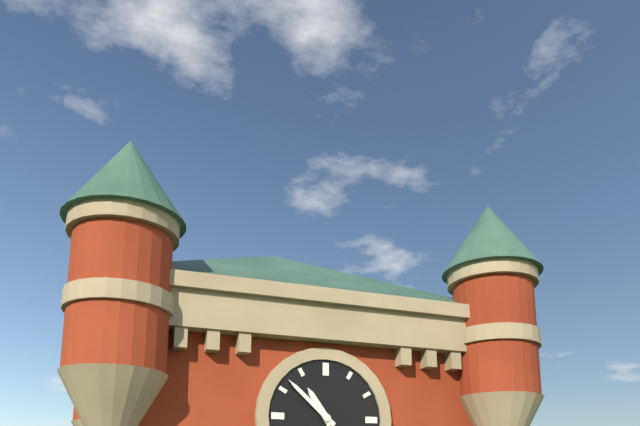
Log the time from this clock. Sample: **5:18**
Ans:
**10:52**
